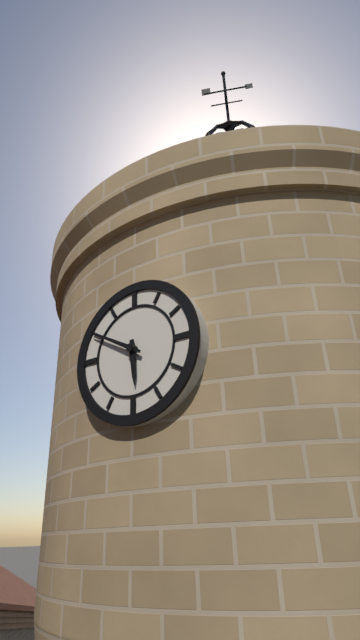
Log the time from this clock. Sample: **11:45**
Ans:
**5:50**
